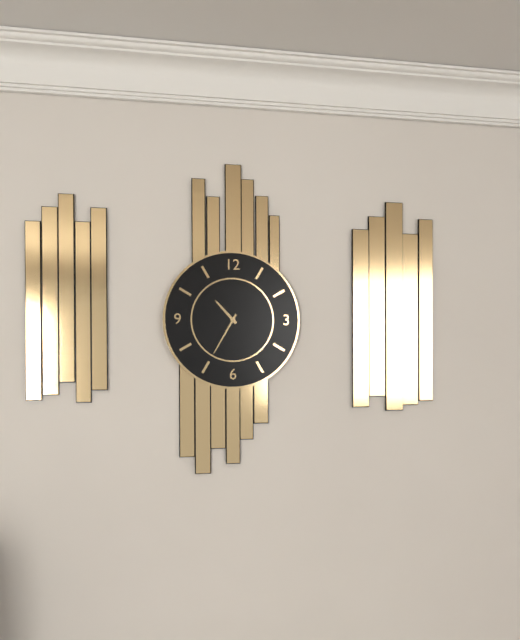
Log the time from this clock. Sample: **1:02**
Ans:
**10:35**
